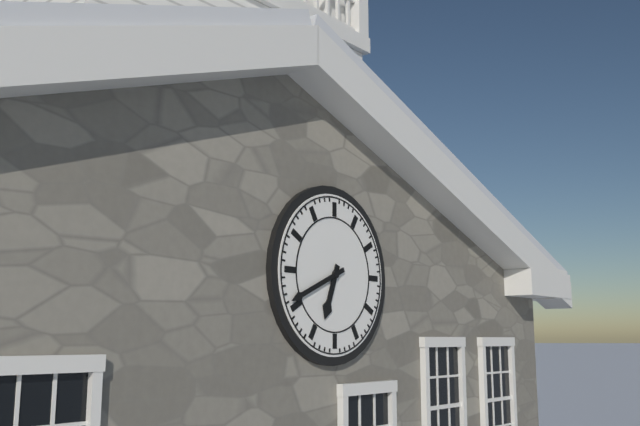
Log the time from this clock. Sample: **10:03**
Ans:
**6:41**
